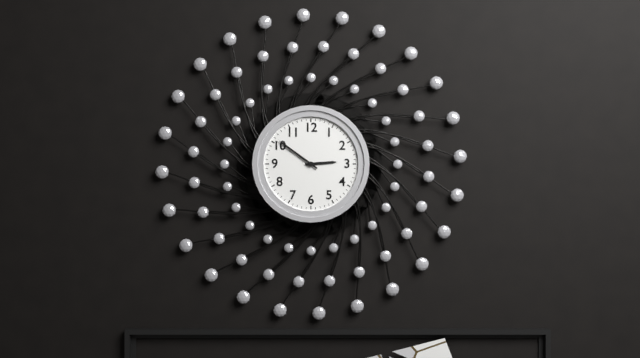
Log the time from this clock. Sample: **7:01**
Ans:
**2:51**
